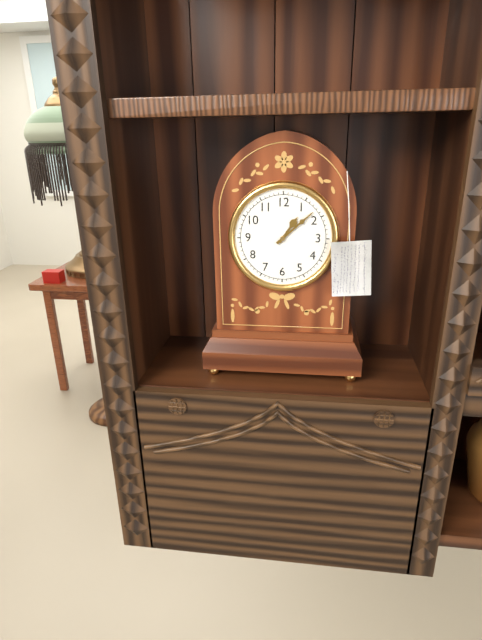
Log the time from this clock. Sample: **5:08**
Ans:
**1:08**
